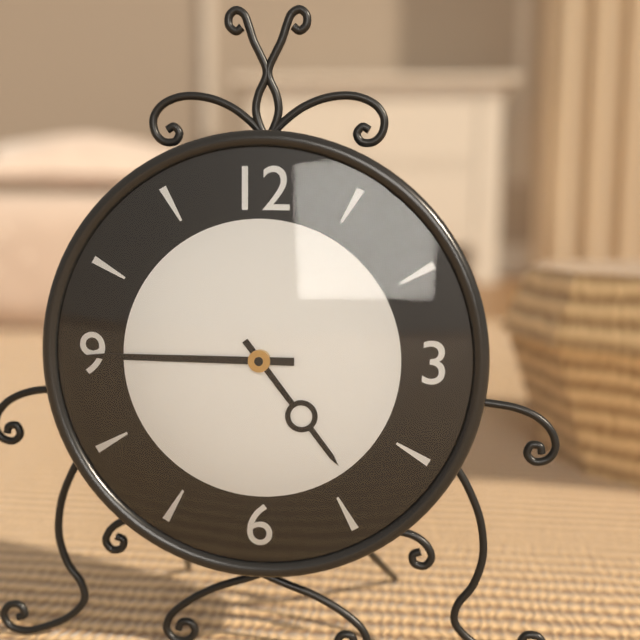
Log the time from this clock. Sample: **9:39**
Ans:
**4:45**
